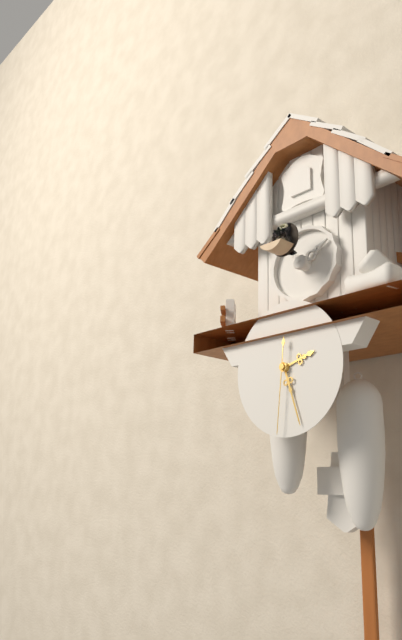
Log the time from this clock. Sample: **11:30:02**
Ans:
**2:27:31**
